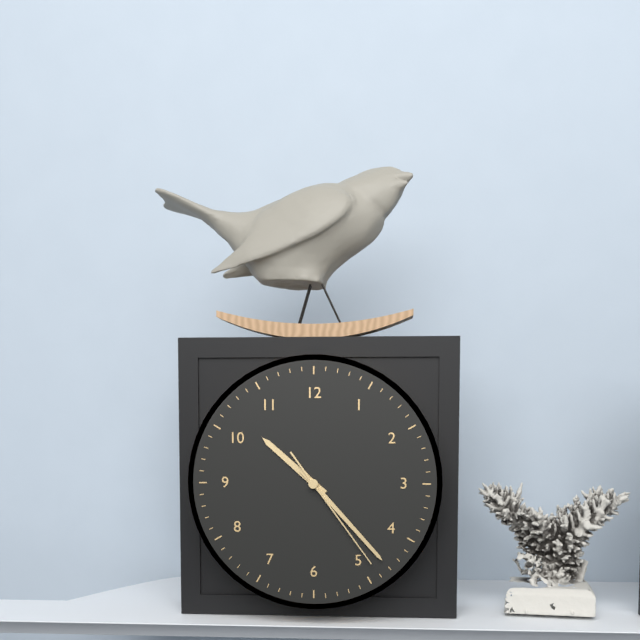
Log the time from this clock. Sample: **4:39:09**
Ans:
**10:23:24**
